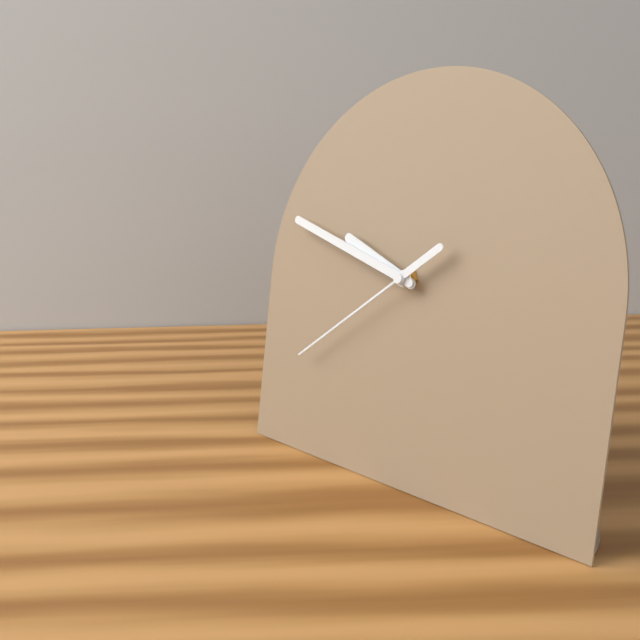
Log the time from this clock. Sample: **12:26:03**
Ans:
**9:48:39**
